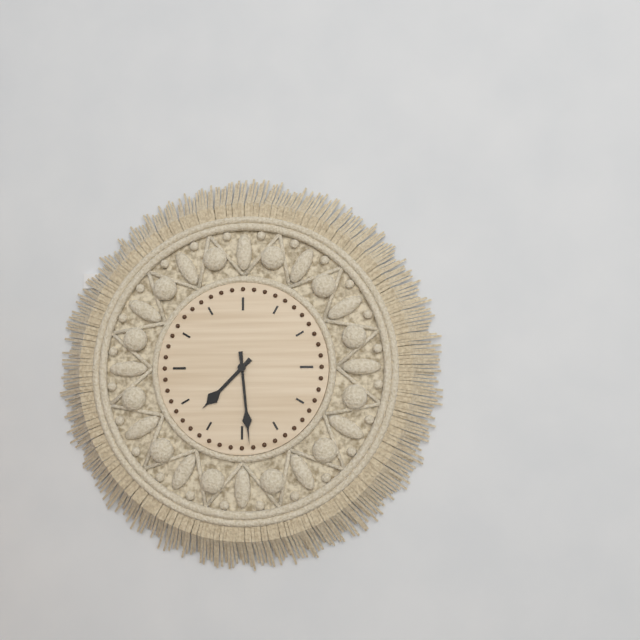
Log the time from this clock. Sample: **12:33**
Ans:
**7:29**
